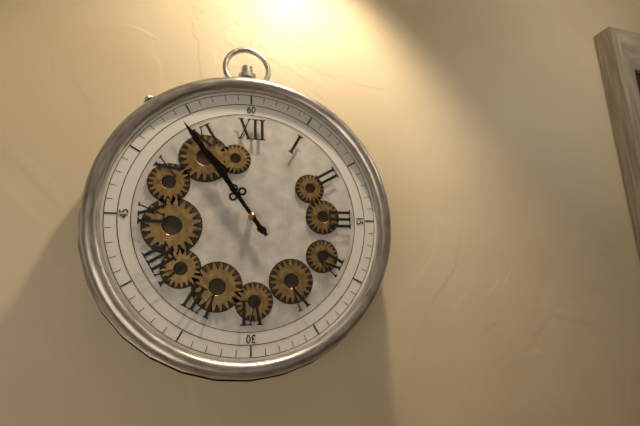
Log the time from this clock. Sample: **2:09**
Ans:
**10:54**
